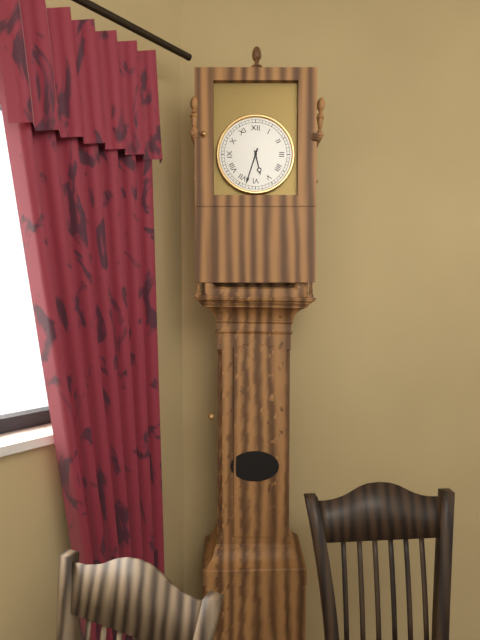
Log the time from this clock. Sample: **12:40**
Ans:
**5:33**
